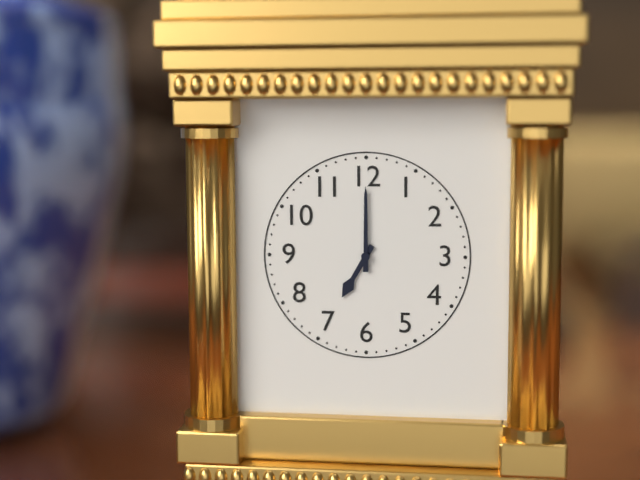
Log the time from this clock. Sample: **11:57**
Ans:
**7:00**
